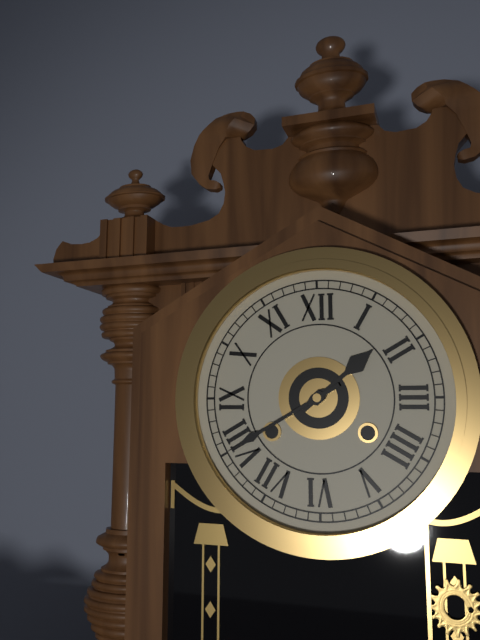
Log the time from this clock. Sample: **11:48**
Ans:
**1:40**
